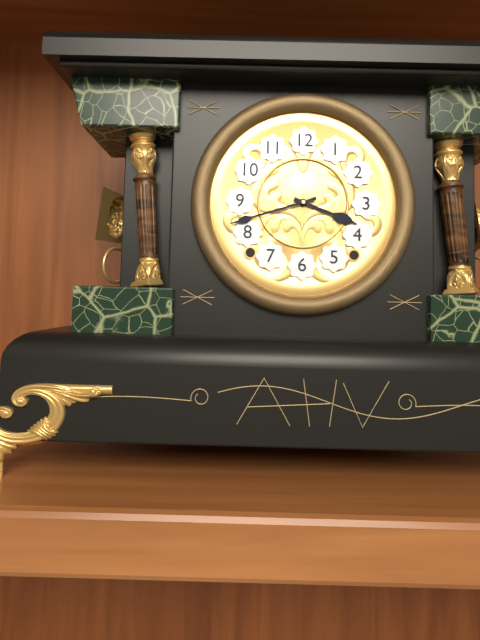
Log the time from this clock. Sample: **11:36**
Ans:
**3:42**
